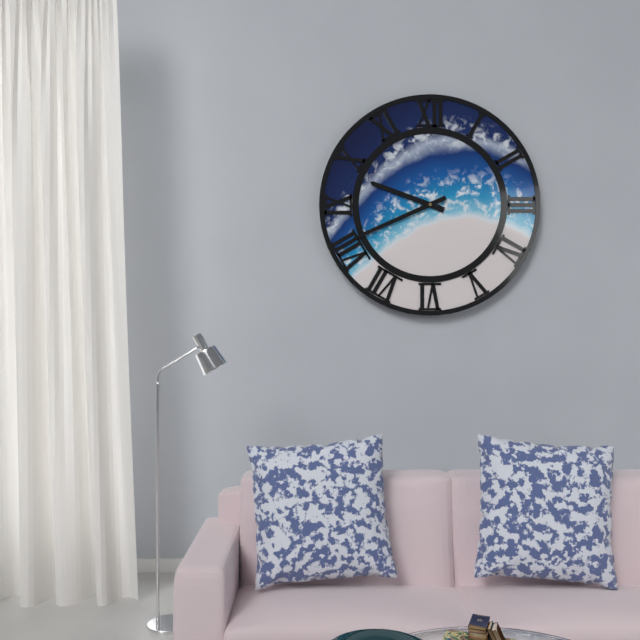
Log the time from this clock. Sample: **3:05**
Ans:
**9:41**
